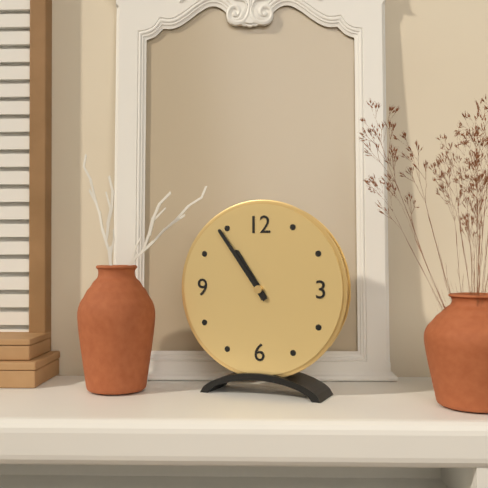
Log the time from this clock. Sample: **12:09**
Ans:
**10:54**
